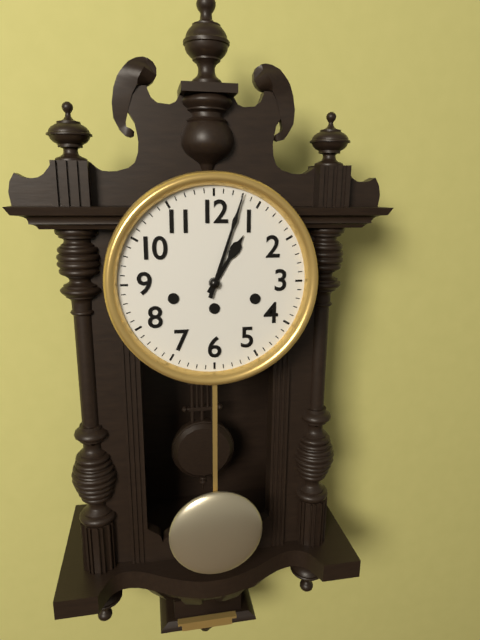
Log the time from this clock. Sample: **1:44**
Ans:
**1:03**
